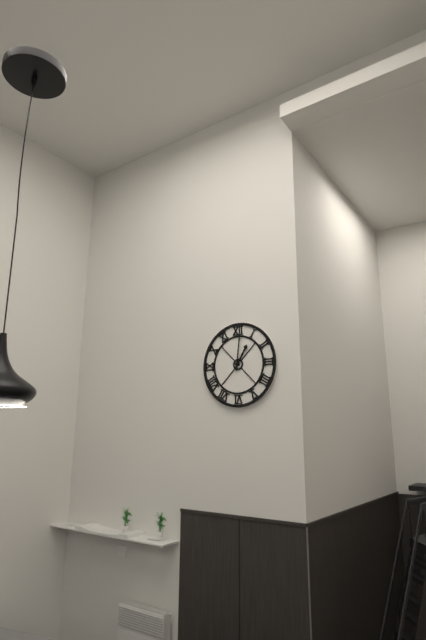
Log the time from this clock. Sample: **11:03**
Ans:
**1:01**
